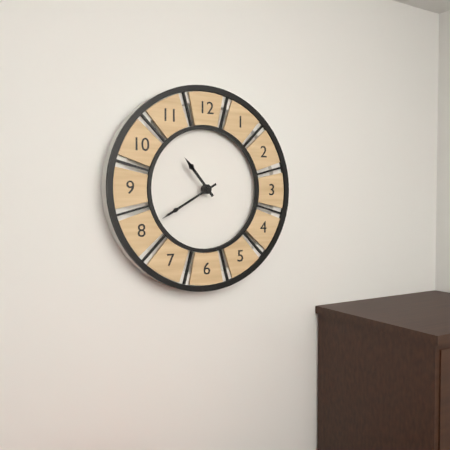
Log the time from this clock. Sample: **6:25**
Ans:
**10:40**
